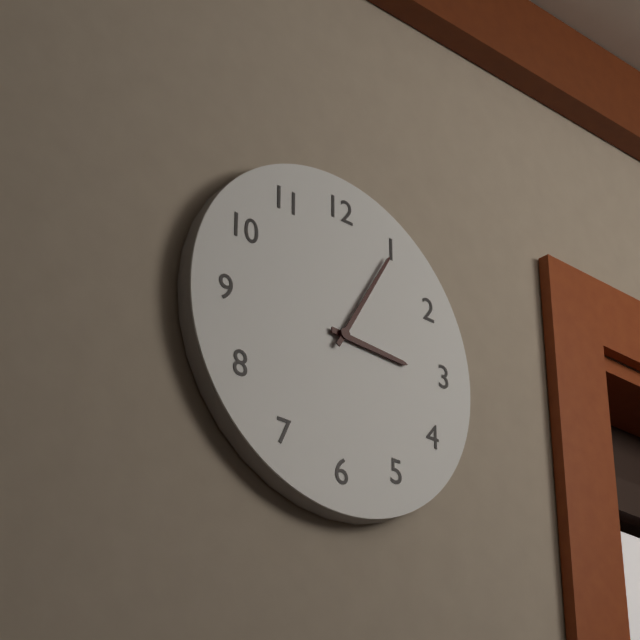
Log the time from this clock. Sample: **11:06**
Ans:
**3:05**
